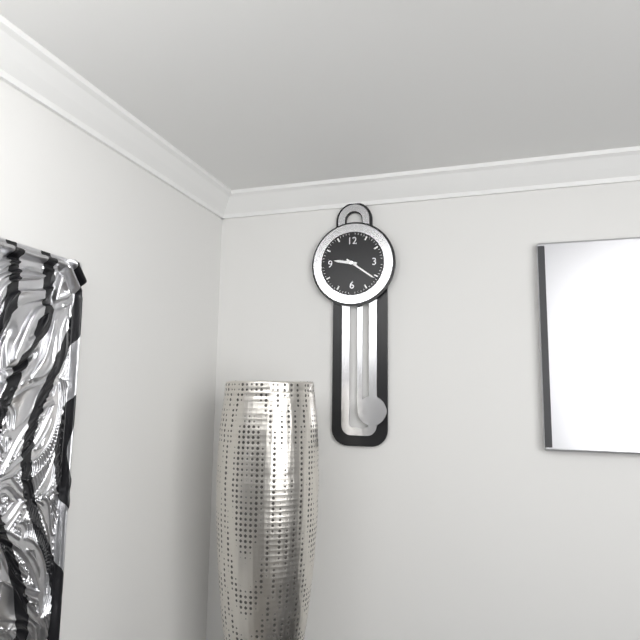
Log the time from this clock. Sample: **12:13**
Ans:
**9:21**
